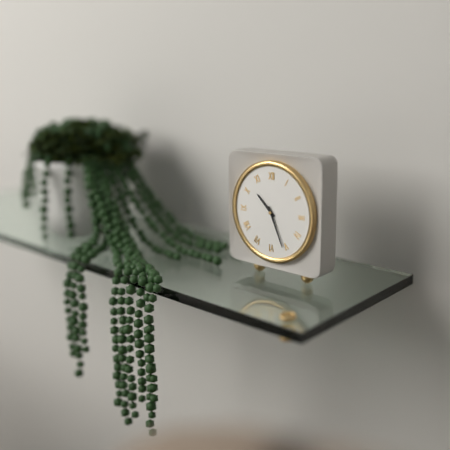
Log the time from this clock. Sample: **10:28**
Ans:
**10:26**
